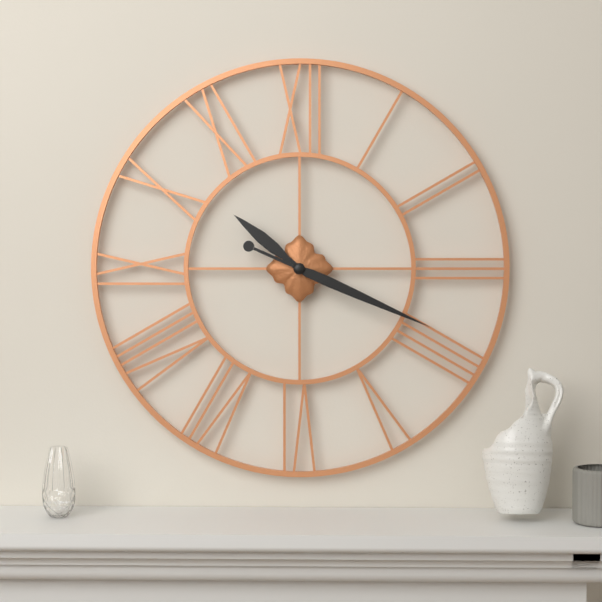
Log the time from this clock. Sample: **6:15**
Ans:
**10:19**
